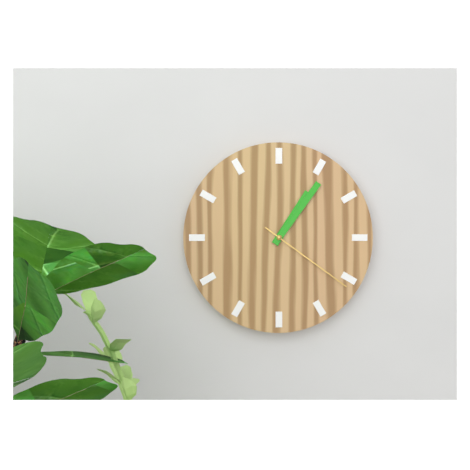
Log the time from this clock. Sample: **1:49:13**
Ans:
**1:06:21**
